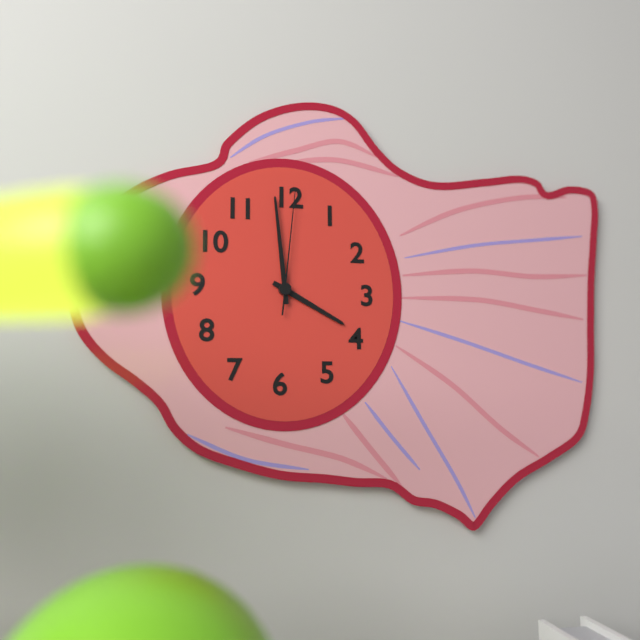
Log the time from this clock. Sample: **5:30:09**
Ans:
**3:59:01**
